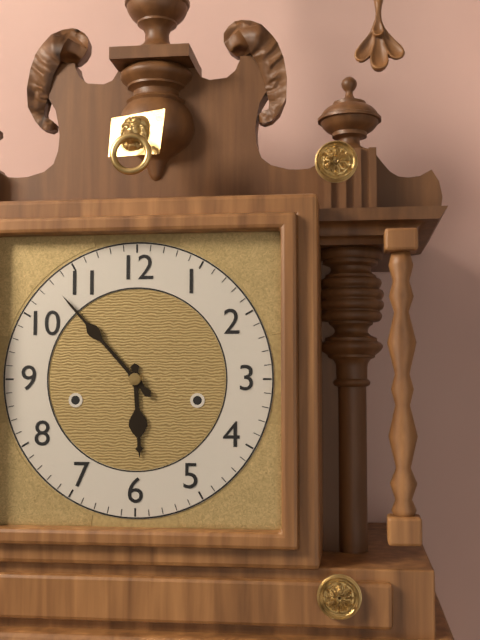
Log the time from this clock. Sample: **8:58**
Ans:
**5:53**
